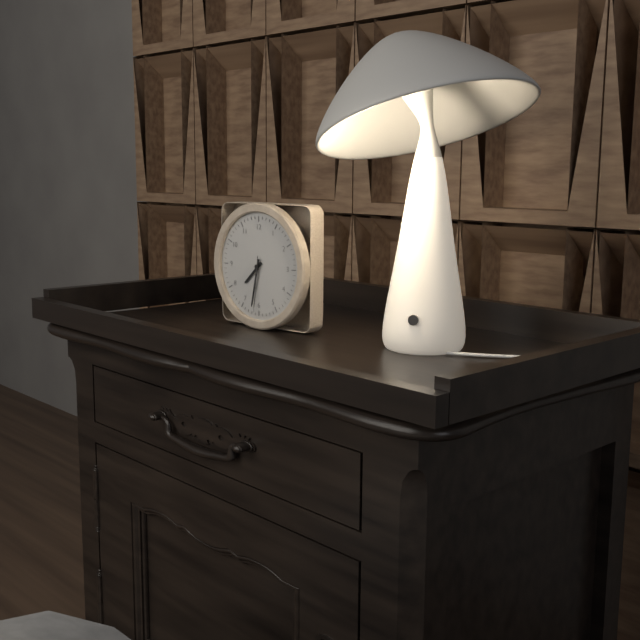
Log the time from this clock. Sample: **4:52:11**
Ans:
**7:32:31**
